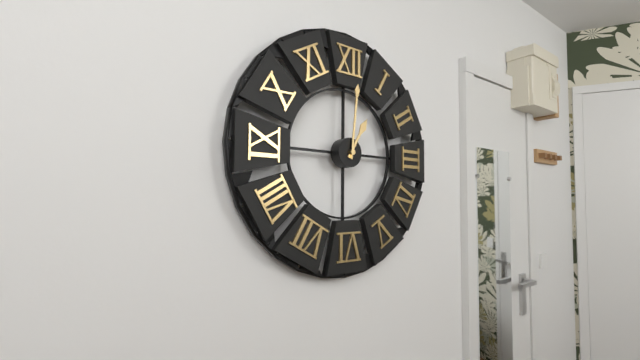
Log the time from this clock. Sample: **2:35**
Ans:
**1:01**
